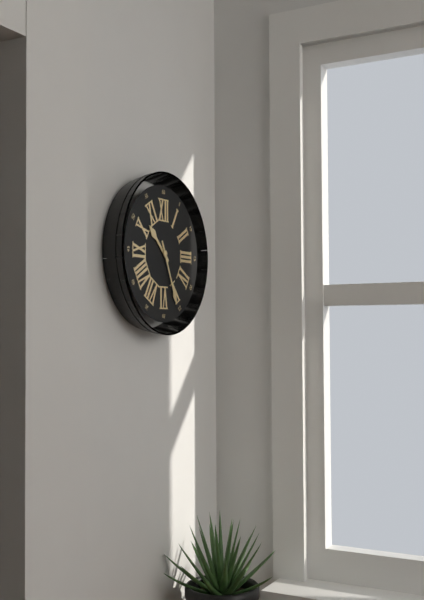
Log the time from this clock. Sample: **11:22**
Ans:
**10:26**
